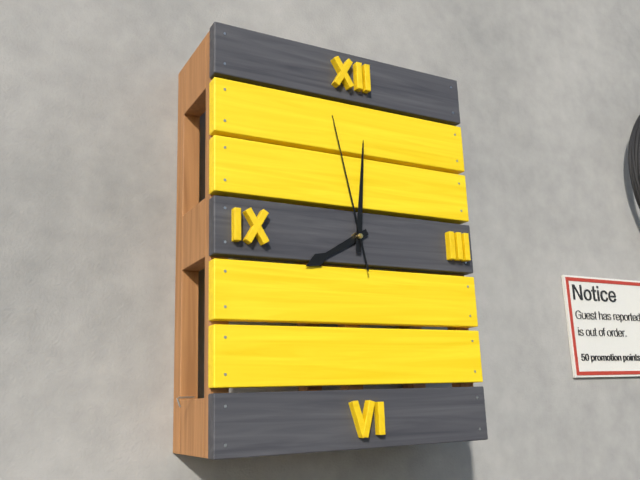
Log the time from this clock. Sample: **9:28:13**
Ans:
**8:01:58**
